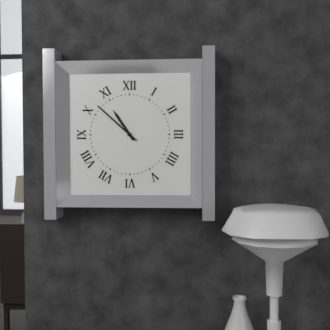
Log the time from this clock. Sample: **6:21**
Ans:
**10:52**
